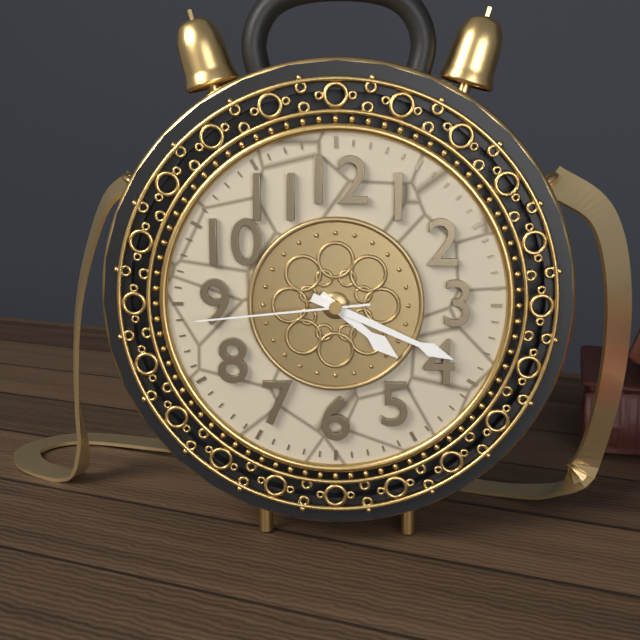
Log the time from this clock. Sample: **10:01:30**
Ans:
**4:19:44**
